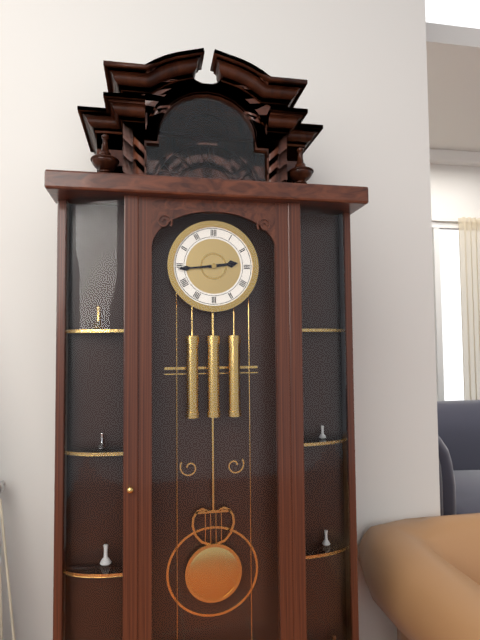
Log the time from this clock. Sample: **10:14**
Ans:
**2:44**
